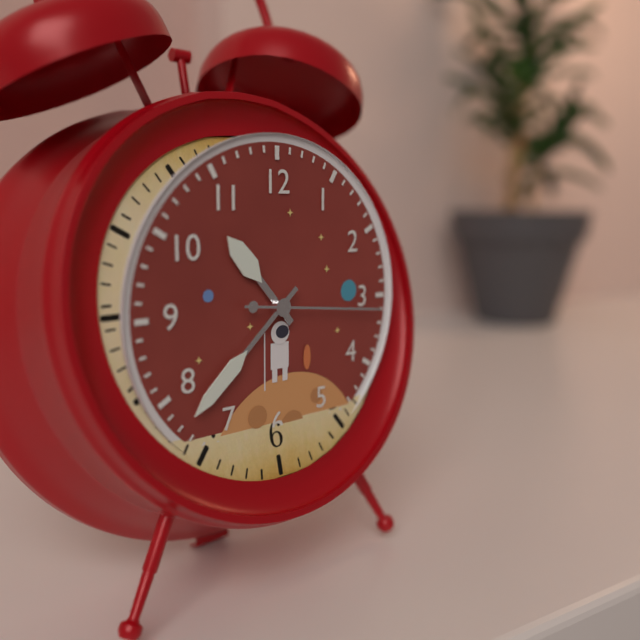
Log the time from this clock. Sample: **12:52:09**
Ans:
**10:38:16**
